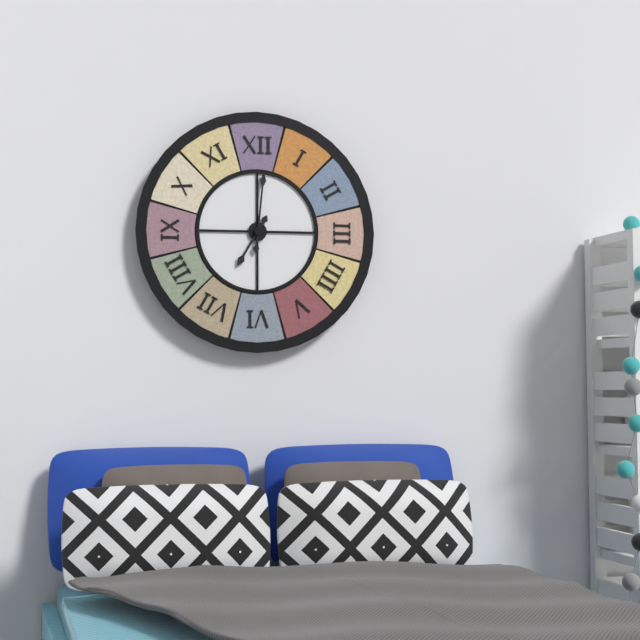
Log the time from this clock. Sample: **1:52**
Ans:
**7:01**
